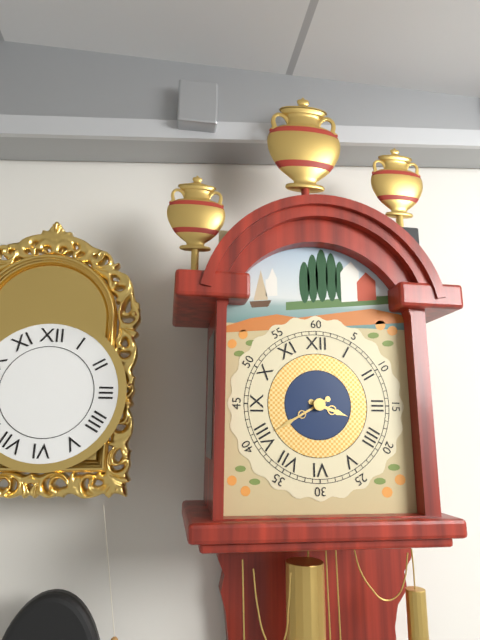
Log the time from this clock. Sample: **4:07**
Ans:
**3:40**
